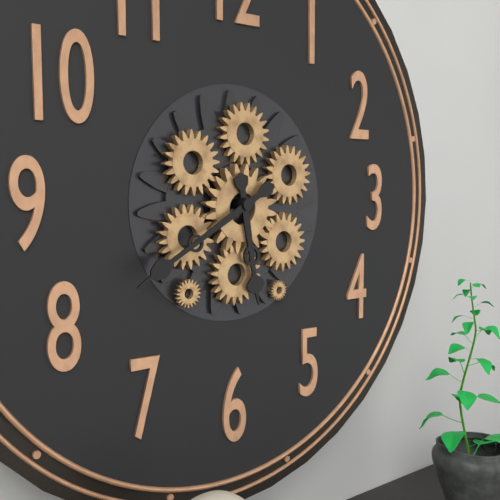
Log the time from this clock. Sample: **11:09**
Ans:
**5:40**
